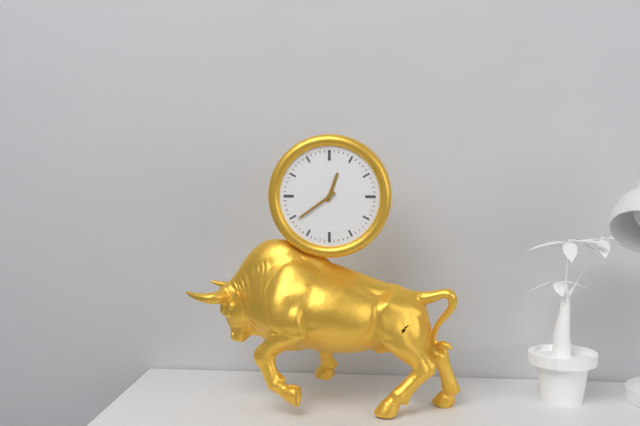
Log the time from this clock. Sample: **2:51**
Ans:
**12:39**
